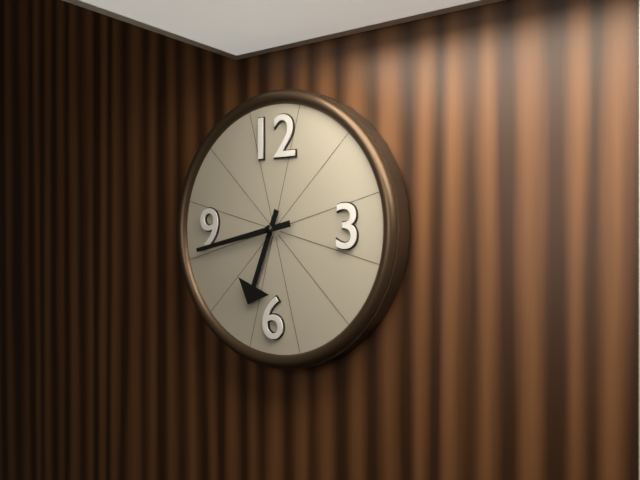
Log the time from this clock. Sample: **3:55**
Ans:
**6:43**
